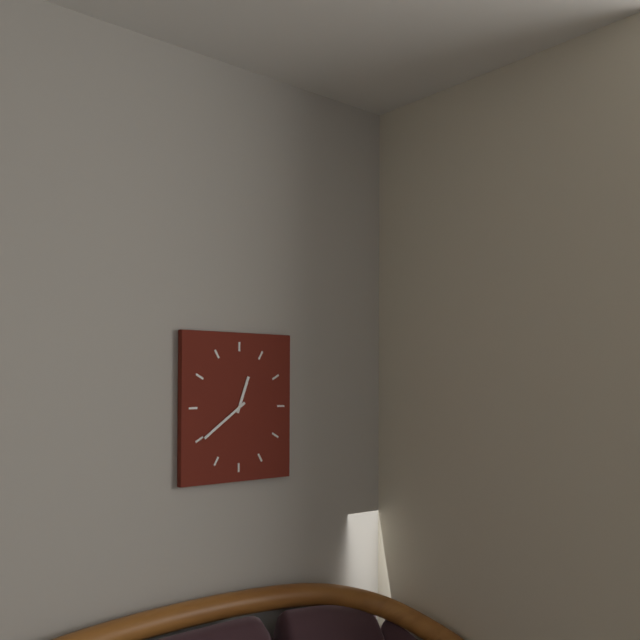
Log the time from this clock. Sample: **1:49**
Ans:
**12:39**
